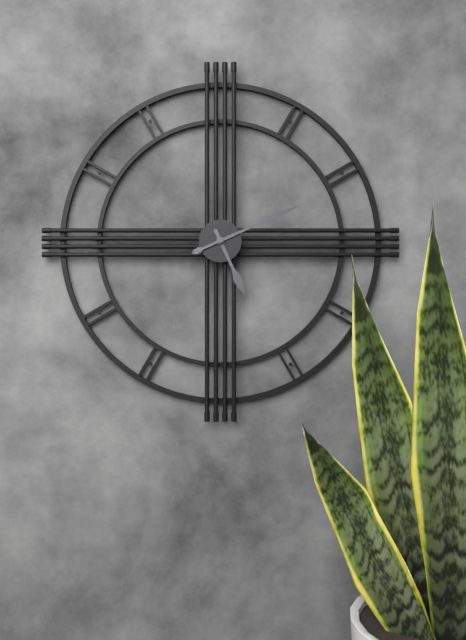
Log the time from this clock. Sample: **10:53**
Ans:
**5:11**
